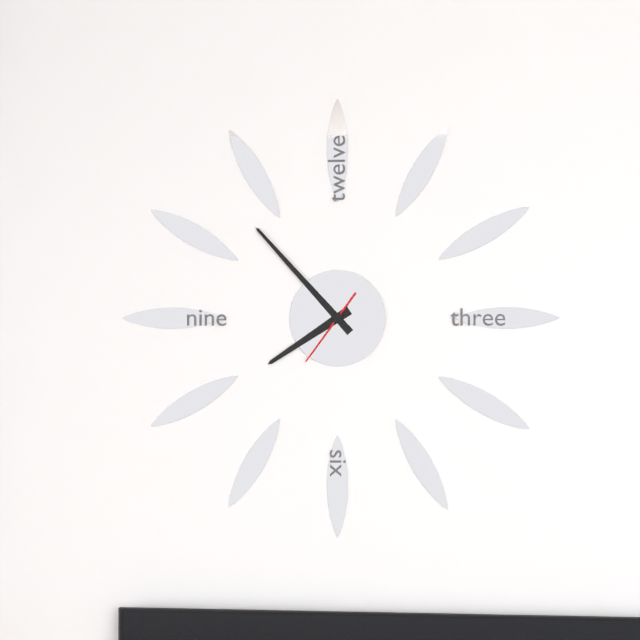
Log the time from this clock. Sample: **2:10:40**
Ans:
**7:53:36**
